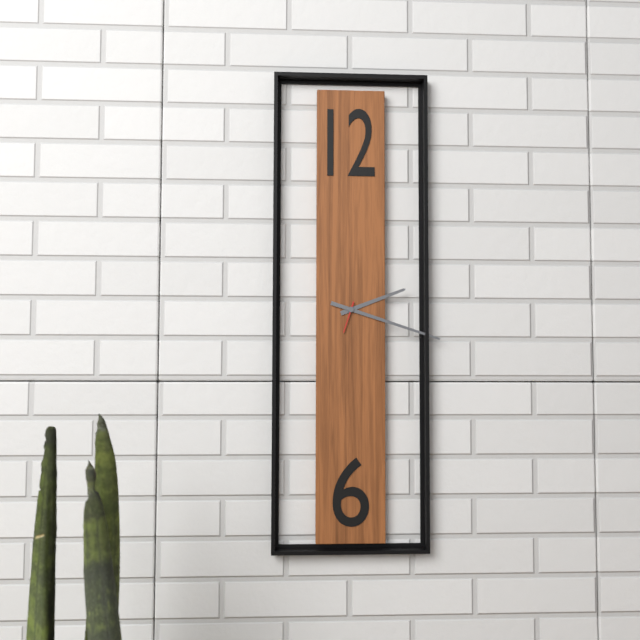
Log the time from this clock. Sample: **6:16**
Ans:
**2:18**
